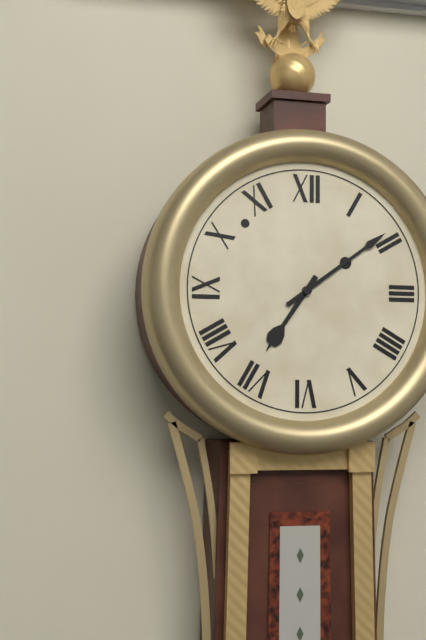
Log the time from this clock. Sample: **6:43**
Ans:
**7:09**
